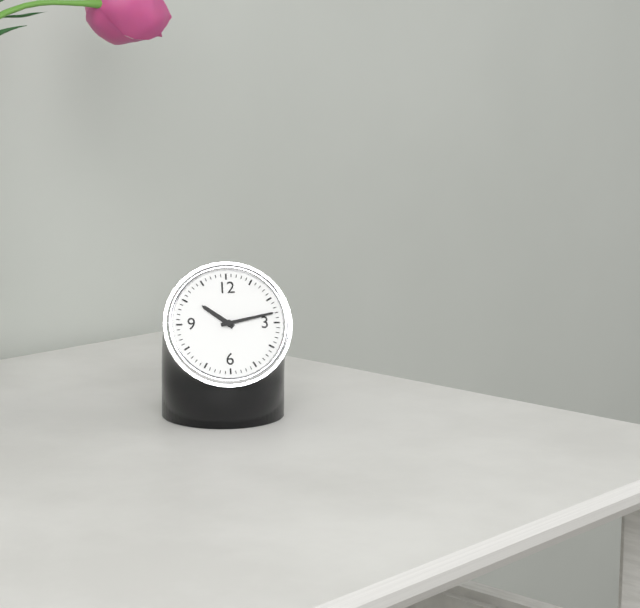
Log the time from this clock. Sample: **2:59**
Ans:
**10:13**
